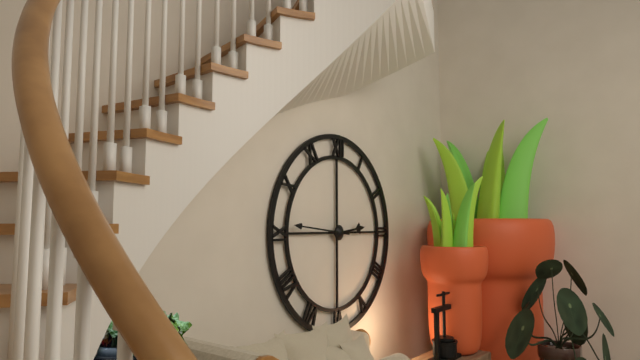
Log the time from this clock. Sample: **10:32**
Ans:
**2:46**
